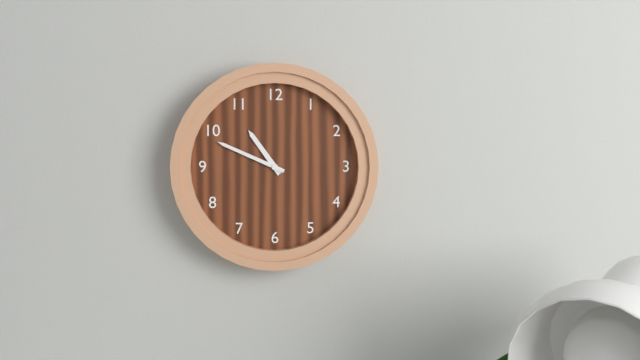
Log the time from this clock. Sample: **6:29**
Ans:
**10:49**
